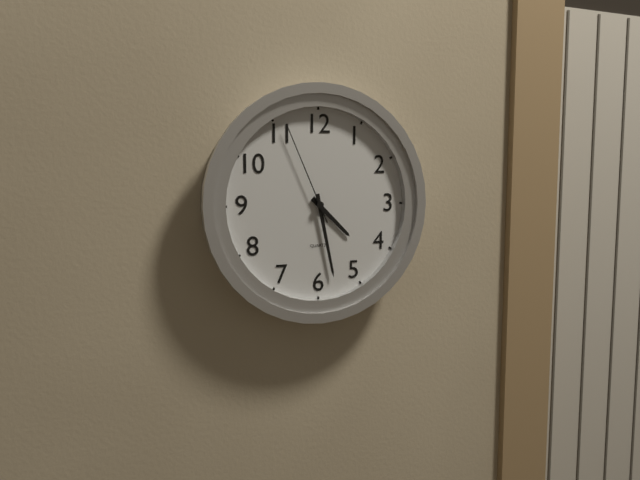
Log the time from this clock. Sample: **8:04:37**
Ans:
**4:28:56**
